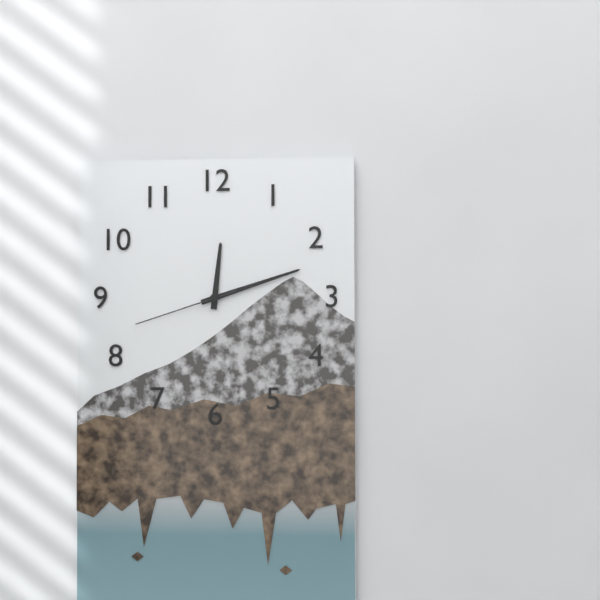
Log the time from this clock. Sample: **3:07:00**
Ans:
**12:12:42**
